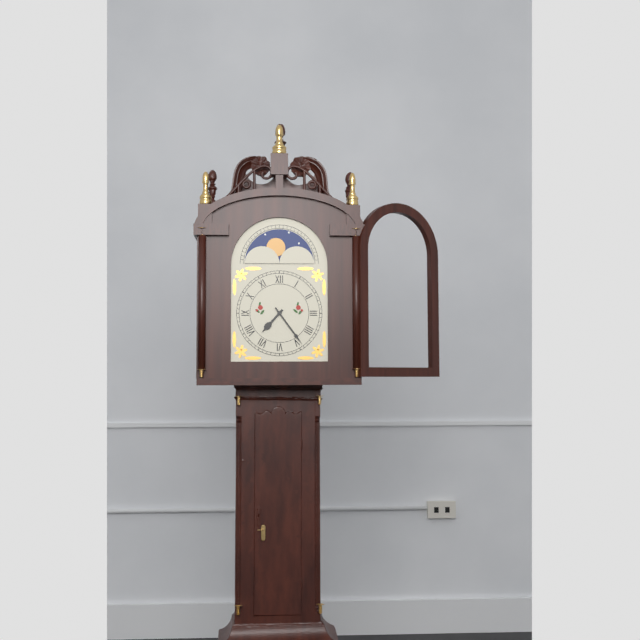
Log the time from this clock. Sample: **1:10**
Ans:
**7:24**
